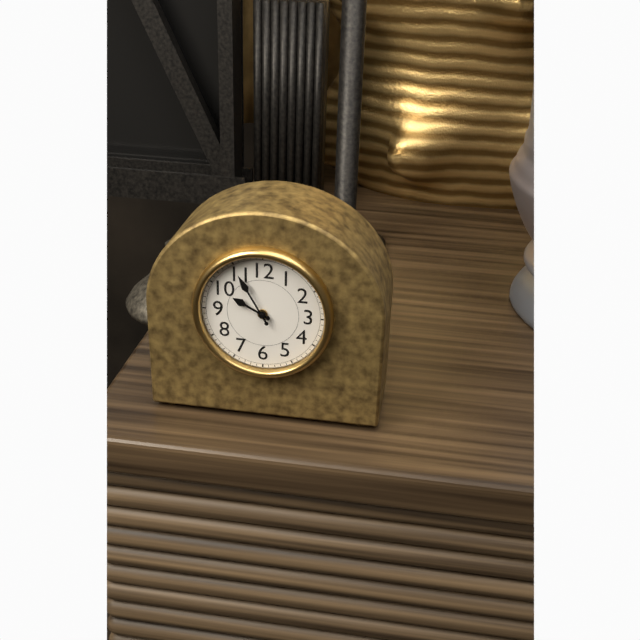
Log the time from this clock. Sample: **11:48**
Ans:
**9:55**
